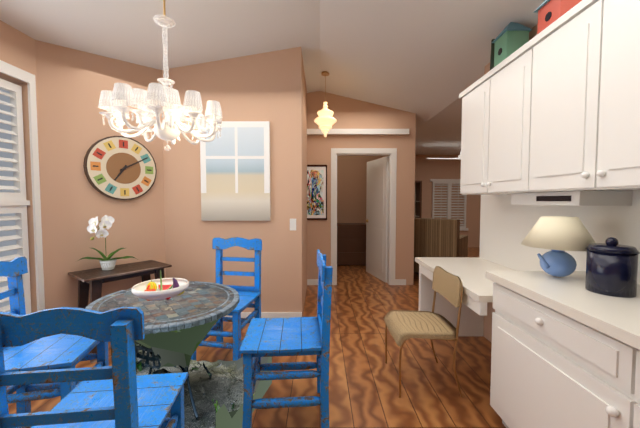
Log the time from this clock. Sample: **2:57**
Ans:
**7:10**
